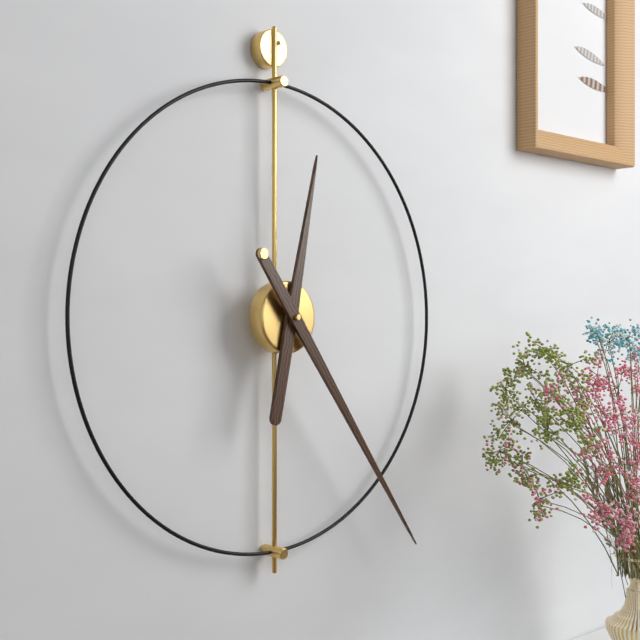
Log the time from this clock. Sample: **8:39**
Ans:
**12:24**
